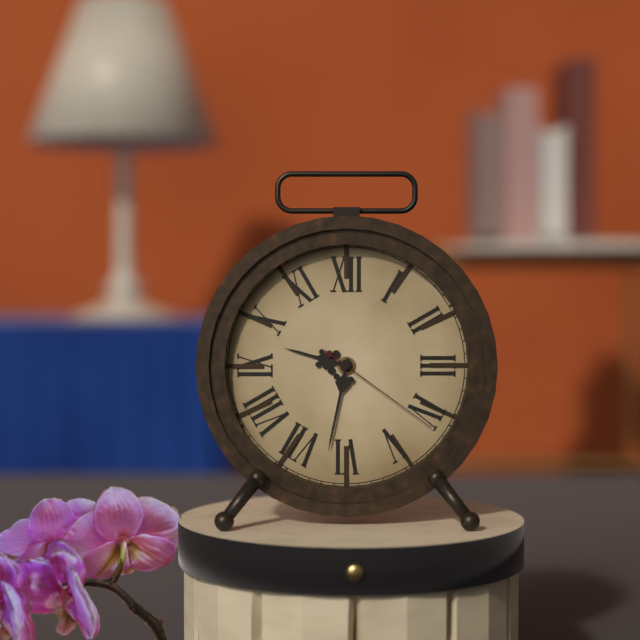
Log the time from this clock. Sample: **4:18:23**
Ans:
**9:32:21**
